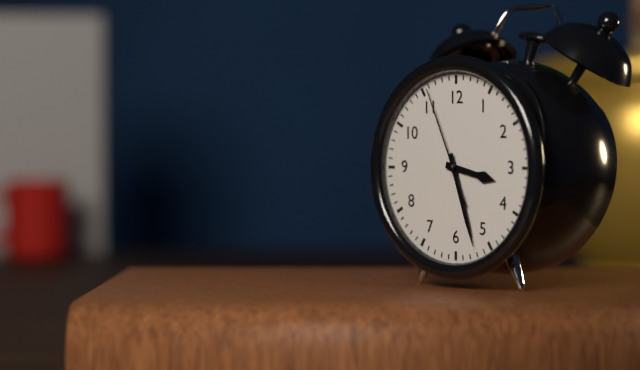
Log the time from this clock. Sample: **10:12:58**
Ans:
**3:27:56**
